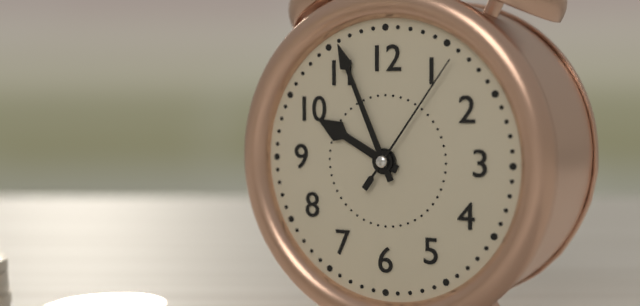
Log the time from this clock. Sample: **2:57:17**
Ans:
**9:56:06**
